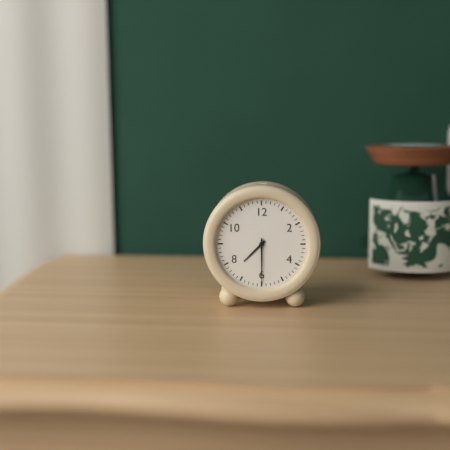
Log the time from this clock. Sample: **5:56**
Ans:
**7:30**
